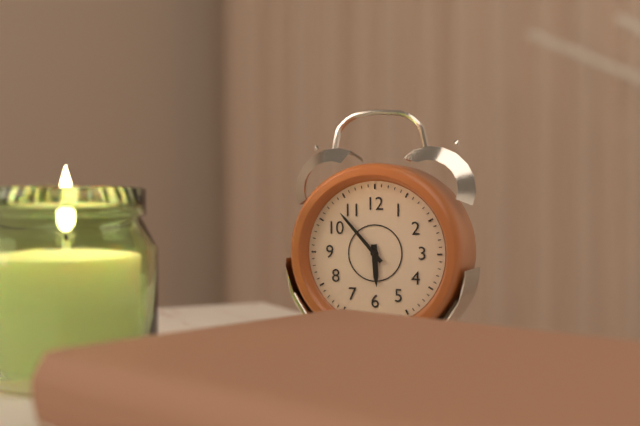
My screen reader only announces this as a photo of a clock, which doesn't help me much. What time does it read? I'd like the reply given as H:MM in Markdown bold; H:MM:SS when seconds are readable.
**5:53**
